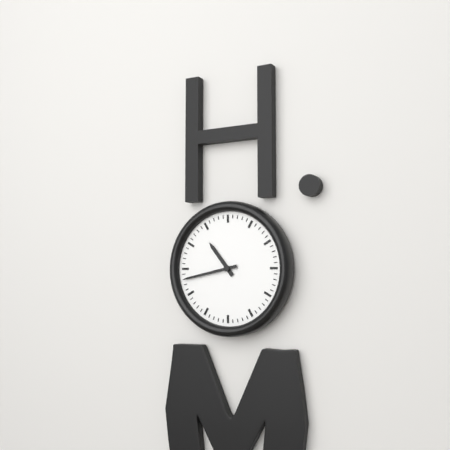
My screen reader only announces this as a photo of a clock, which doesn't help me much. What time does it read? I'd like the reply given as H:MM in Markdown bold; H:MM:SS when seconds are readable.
**10:43**
